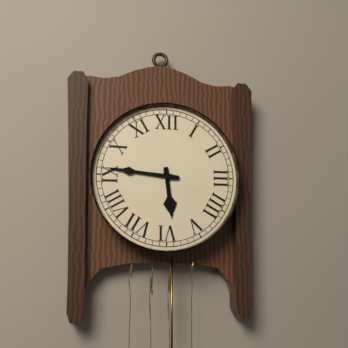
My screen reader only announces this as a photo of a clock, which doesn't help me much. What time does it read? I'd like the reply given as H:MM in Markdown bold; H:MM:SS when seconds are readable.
**5:46**
